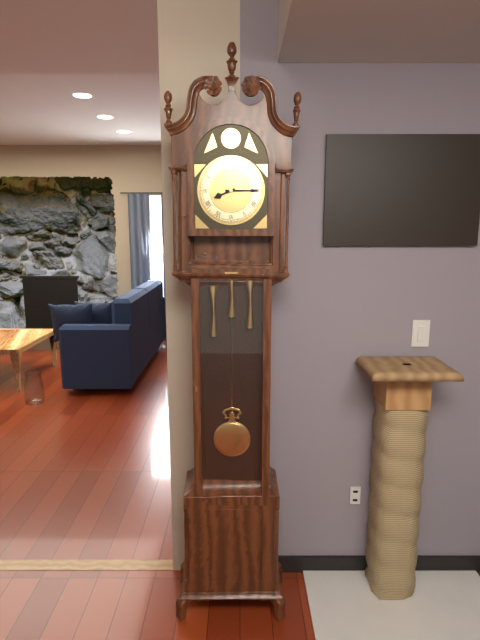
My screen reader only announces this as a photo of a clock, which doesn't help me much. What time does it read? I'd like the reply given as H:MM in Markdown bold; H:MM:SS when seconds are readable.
**8:15**
